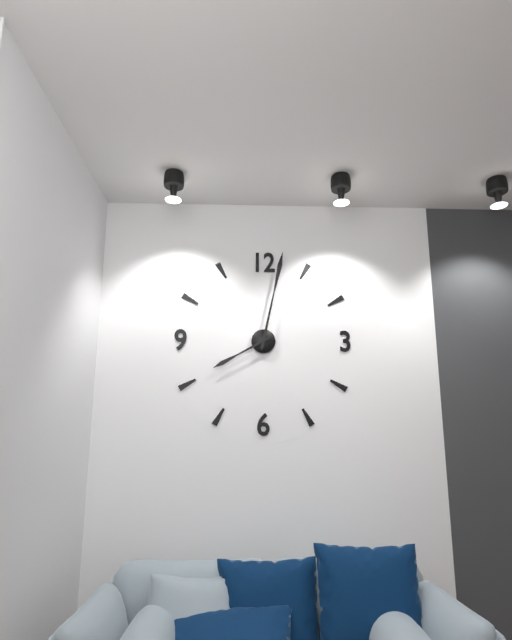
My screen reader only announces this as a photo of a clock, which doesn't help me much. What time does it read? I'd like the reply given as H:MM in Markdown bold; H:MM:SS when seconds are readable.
**8:02**
